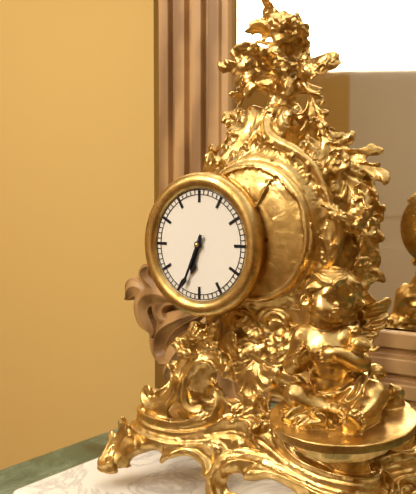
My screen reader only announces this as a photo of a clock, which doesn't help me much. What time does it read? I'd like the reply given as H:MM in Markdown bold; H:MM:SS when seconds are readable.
**6:34**
